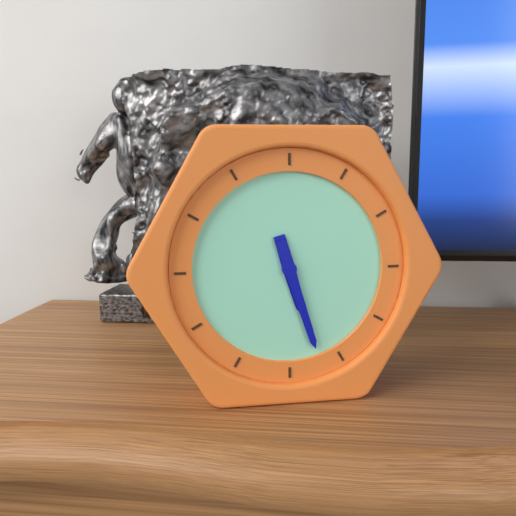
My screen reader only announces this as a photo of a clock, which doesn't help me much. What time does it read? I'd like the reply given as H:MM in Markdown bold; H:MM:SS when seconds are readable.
**5:27**
